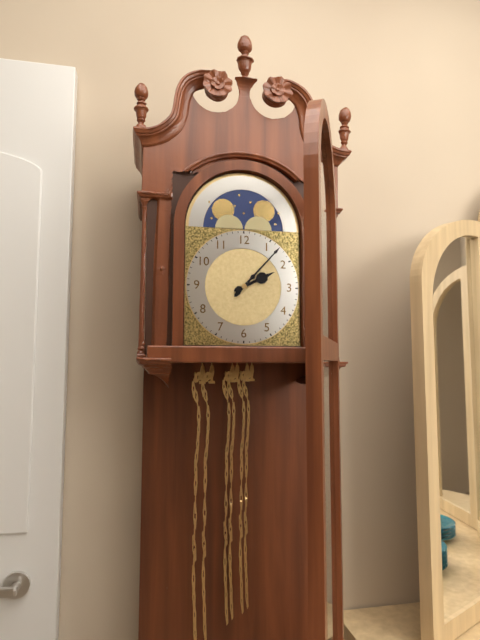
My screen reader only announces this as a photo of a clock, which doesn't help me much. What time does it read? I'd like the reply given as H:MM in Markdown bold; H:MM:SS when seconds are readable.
**2:07**
